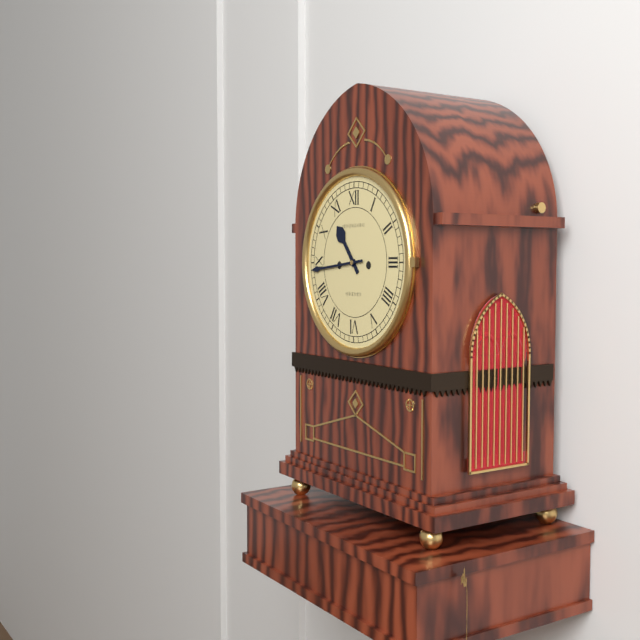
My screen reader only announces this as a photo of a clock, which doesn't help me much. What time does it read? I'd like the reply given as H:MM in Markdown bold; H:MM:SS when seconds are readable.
**10:44**
